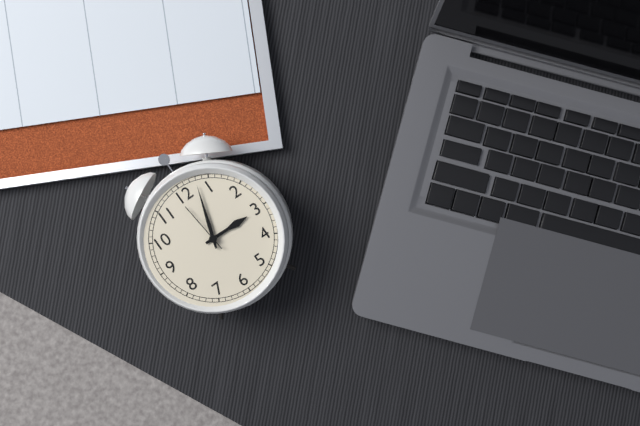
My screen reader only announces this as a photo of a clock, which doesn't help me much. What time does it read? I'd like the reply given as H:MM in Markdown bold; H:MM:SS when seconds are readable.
**3:03:59**
